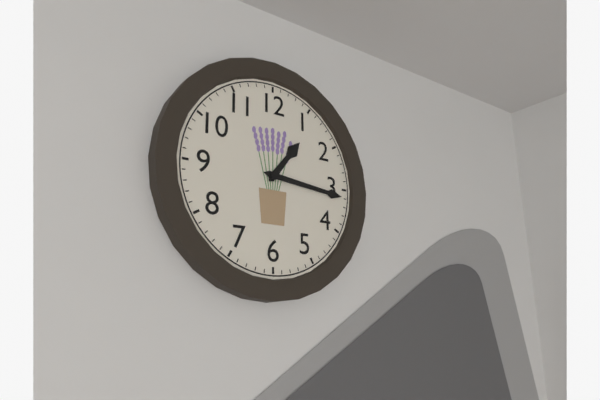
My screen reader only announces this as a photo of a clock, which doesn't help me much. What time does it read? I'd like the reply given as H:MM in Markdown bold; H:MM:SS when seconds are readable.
**1:16**
